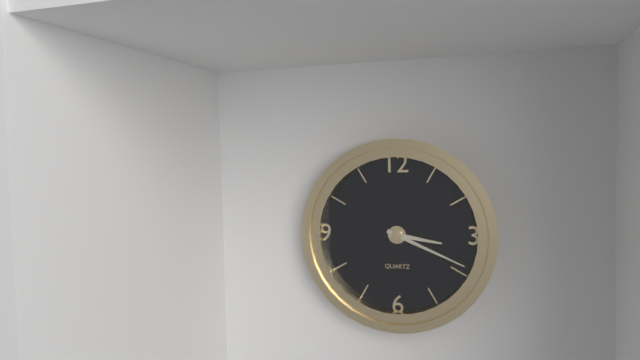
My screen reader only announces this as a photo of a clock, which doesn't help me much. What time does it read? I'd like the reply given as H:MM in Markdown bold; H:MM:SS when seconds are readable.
**3:19**
